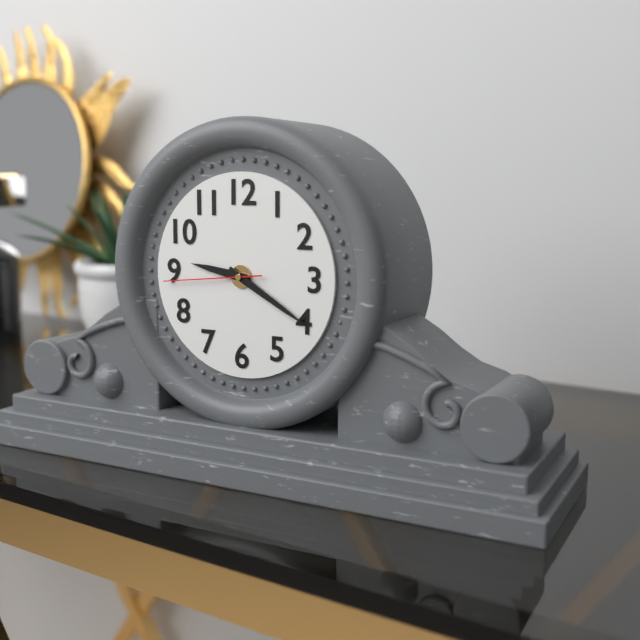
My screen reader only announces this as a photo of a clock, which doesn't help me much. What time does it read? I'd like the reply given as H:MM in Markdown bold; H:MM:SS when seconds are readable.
**9:20:44**
